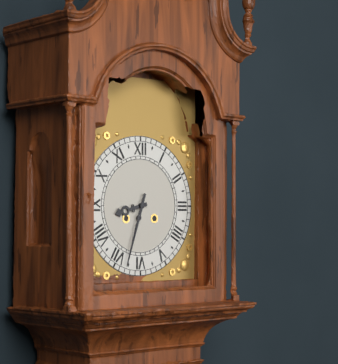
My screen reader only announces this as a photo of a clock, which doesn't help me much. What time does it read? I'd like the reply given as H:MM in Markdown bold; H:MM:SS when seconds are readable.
**8:33**
